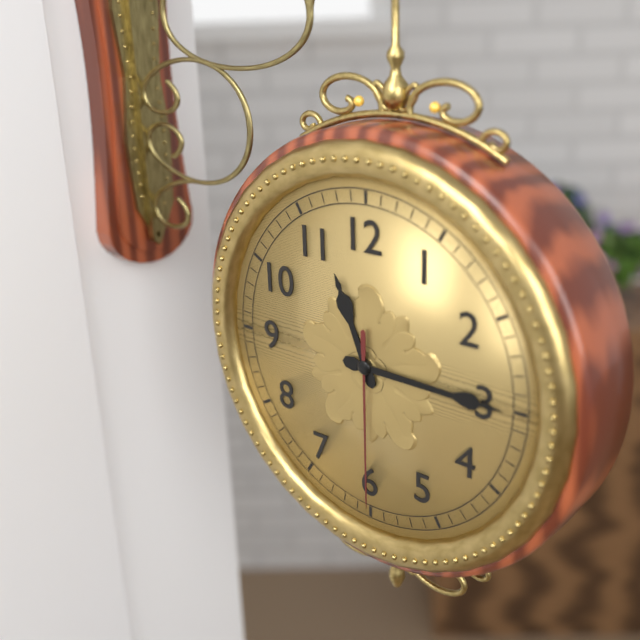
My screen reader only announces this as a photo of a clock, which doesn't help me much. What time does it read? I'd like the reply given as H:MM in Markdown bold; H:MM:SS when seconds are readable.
**11:15:30**
